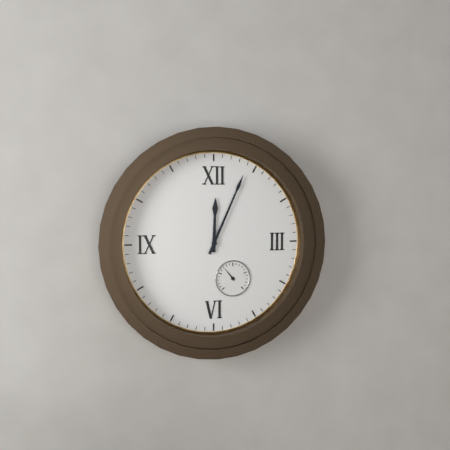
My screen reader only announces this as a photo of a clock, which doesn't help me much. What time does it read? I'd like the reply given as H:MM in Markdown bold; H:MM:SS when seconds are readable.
**12:04**
